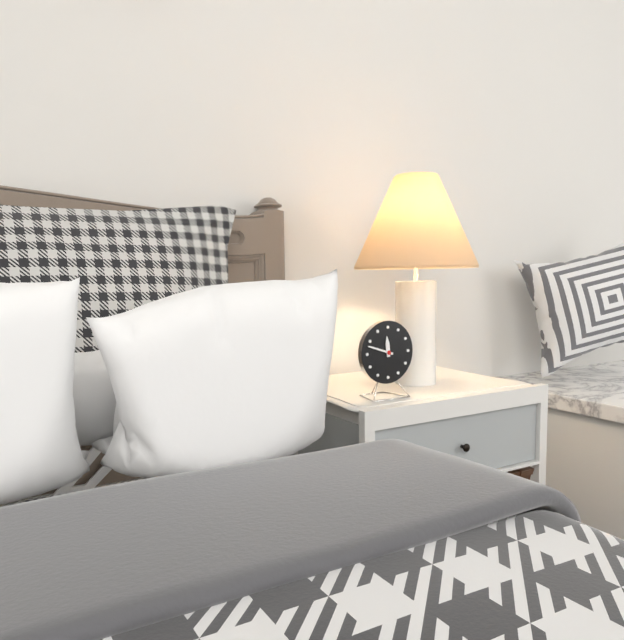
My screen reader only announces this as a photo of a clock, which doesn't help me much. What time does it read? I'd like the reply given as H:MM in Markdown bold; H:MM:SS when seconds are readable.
**11:48**
